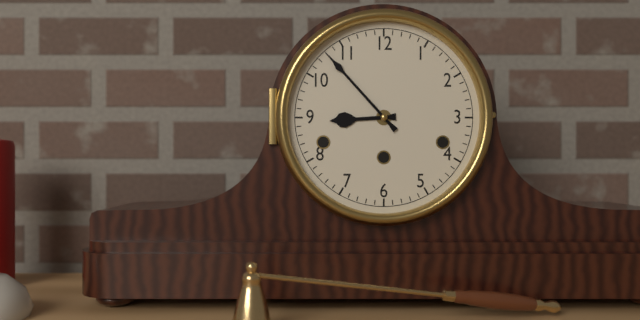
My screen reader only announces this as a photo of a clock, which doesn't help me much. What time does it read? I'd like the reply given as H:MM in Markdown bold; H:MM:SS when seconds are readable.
**8:53**
